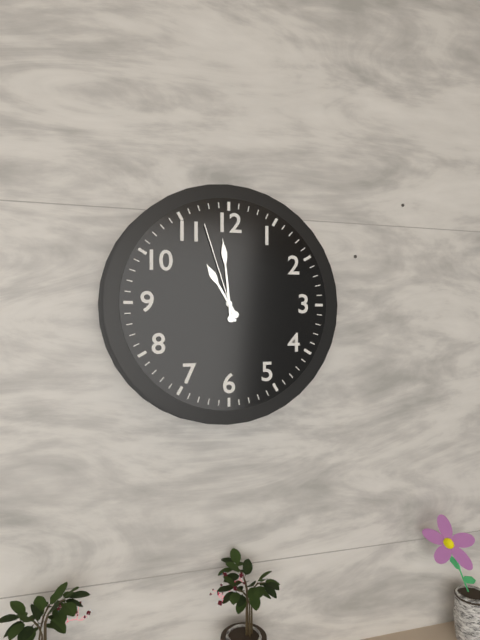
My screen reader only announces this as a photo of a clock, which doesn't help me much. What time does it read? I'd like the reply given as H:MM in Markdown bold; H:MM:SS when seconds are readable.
**10:59:57**
